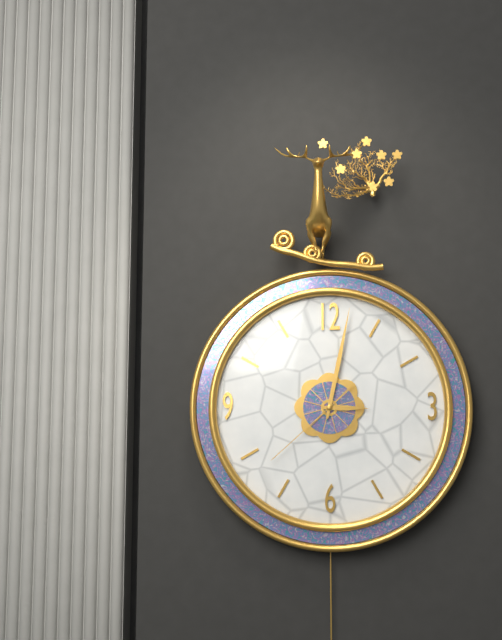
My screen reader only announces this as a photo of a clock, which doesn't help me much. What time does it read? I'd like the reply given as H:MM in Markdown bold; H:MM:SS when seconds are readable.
**3:02:38**
